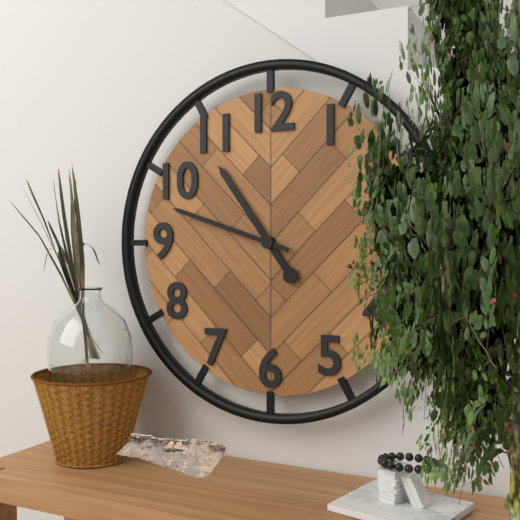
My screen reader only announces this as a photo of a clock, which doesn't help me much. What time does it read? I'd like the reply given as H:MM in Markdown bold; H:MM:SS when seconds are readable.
**10:48**
